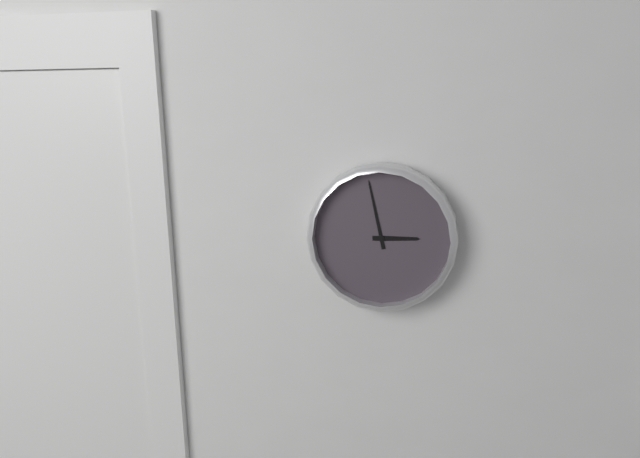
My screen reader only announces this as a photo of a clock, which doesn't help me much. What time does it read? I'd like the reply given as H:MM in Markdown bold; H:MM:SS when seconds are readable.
**2:58**
